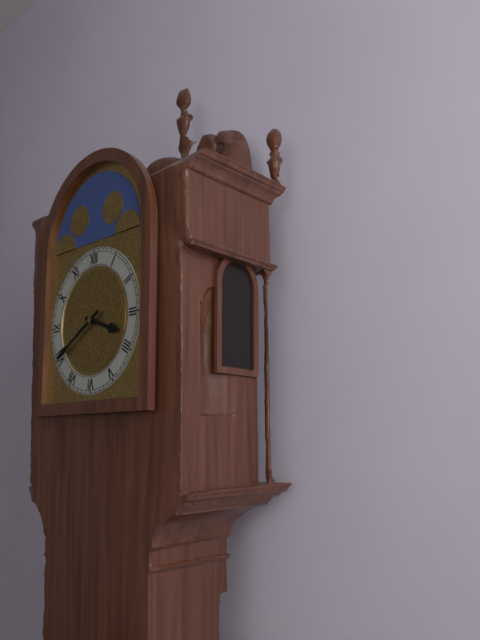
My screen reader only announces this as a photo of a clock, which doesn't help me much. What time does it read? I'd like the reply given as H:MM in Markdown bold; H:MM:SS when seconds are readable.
**3:40**
